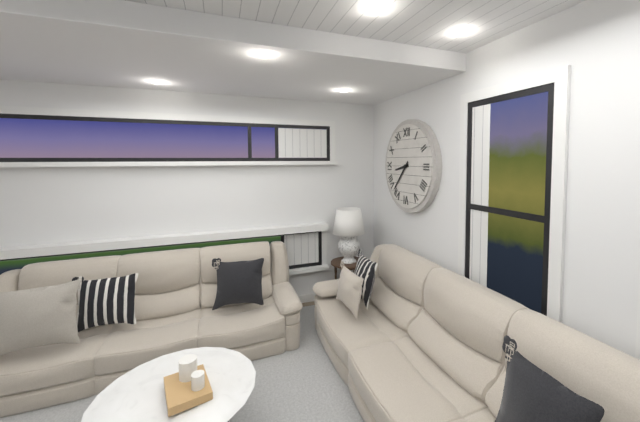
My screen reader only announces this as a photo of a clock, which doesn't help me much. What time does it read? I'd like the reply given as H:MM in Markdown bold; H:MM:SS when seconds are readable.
**8:37**
